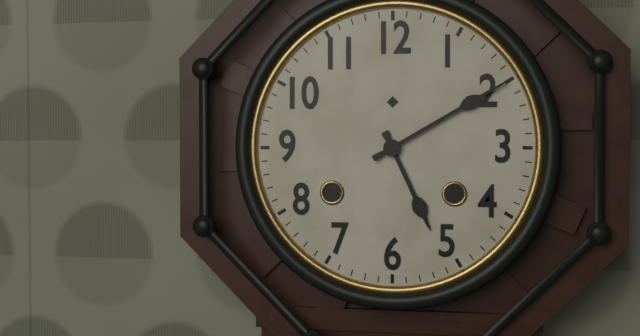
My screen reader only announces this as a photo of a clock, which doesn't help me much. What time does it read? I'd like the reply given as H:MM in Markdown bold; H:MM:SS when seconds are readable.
**5:10**
